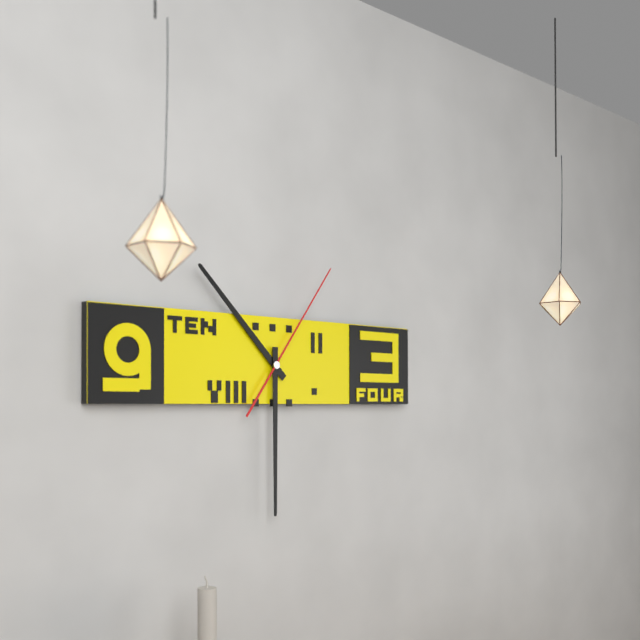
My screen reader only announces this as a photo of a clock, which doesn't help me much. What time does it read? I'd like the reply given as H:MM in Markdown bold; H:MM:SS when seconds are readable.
**10:30:06**
